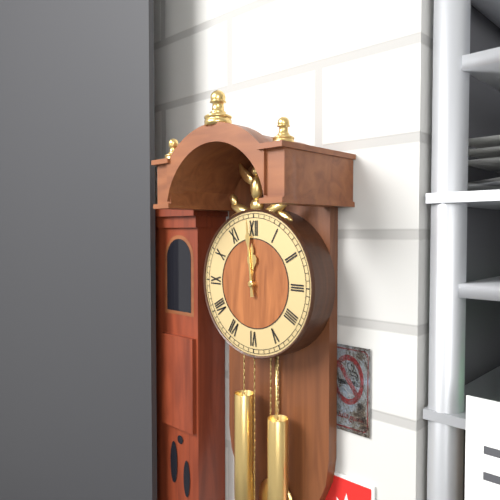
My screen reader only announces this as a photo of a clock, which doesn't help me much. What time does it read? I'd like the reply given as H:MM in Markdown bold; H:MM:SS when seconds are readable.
**11:59**
